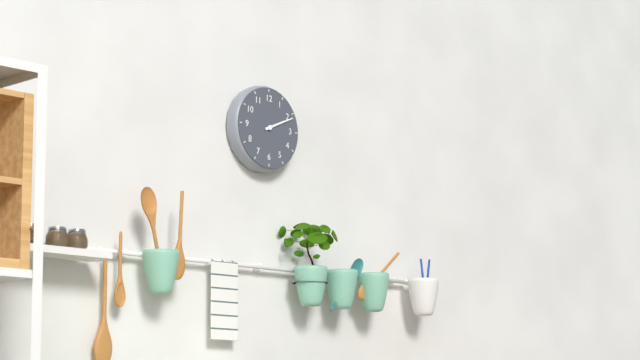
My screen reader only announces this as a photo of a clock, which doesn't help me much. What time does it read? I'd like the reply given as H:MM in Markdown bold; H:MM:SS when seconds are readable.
**2:11**
